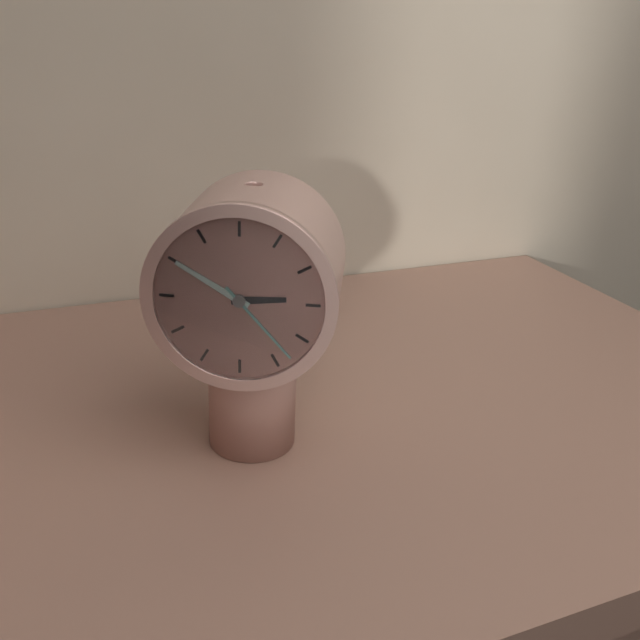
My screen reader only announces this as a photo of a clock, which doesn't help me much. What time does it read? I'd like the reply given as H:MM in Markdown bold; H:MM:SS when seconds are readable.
**2:50:23**
